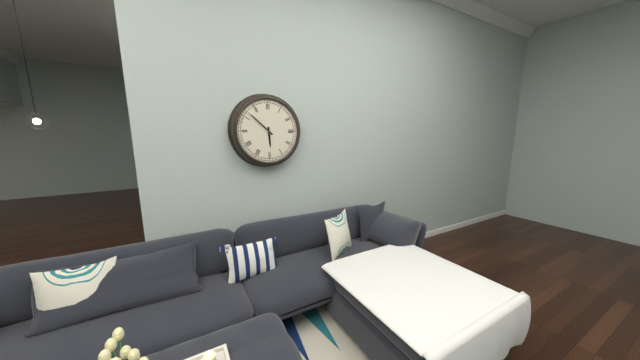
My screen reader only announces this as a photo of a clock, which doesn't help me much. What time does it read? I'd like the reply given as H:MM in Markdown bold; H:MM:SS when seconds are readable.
**5:52**
